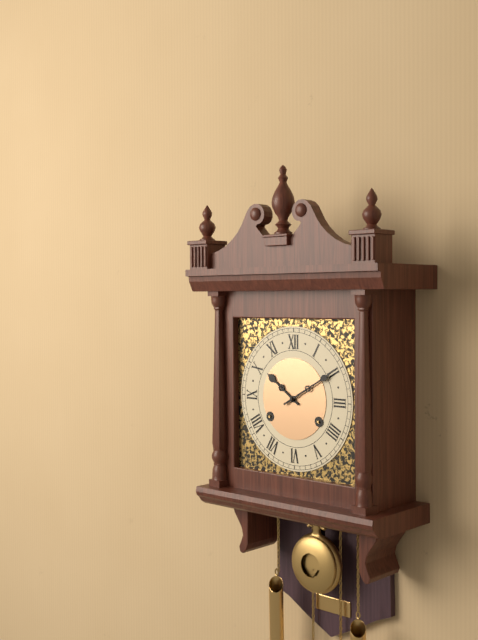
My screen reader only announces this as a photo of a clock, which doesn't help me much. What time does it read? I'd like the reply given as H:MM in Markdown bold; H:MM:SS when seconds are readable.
**10:10**
